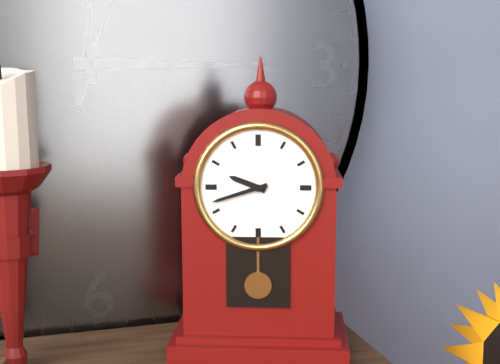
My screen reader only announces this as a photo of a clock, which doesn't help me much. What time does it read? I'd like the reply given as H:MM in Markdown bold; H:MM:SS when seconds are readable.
**9:42**
